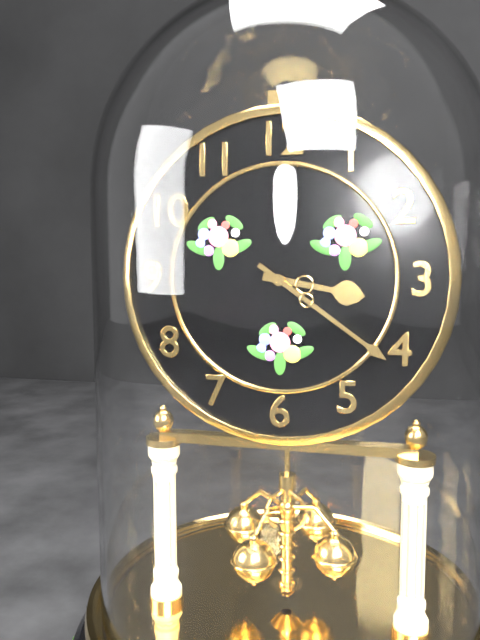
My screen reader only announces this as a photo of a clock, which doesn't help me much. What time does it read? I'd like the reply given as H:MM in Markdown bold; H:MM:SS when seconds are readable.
**3:21**
